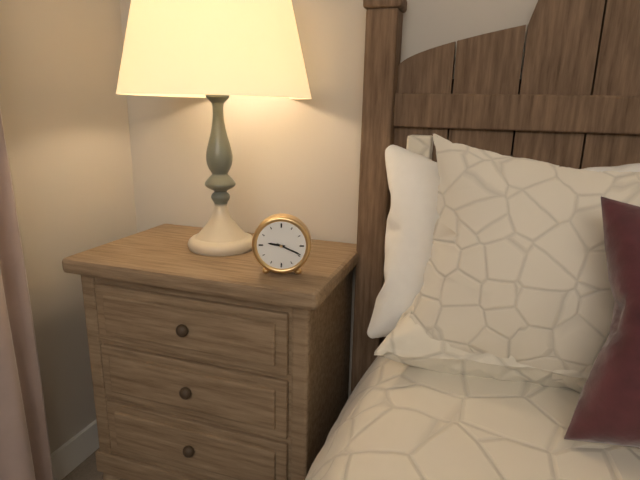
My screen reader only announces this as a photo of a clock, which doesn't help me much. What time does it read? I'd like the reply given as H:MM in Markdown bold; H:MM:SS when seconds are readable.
**9:19**
